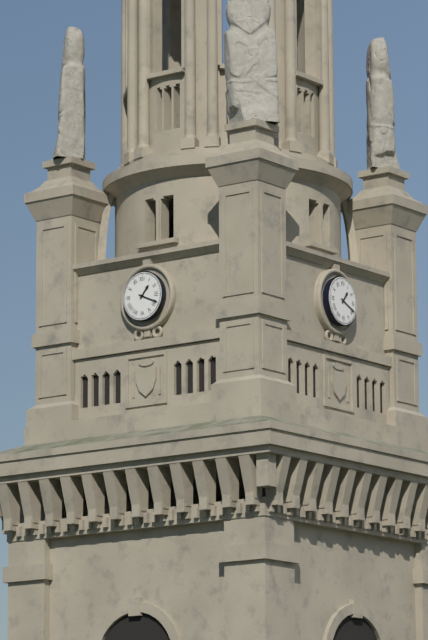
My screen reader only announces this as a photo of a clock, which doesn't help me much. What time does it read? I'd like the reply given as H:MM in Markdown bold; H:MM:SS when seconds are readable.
**1:19**
